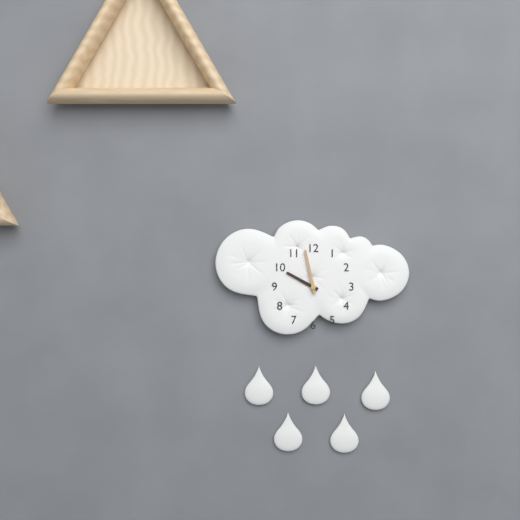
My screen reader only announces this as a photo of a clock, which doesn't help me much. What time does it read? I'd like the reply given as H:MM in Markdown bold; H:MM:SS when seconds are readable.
**9:58**
